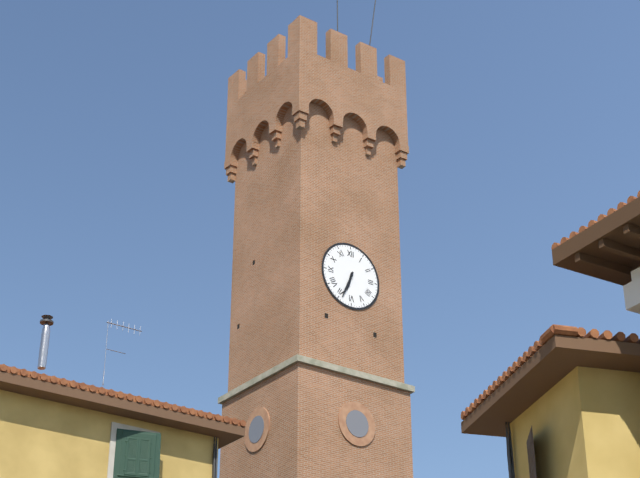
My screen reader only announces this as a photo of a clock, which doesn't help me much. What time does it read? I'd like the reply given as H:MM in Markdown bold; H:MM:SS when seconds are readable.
**6:34**
